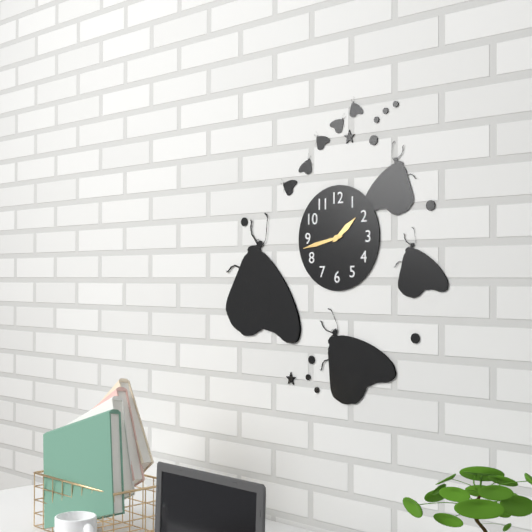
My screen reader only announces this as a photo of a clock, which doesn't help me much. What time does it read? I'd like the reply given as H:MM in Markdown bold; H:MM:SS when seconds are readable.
**1:43**
